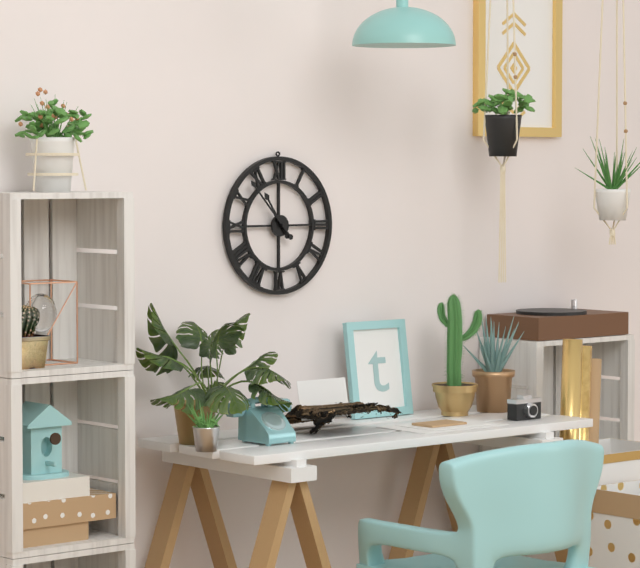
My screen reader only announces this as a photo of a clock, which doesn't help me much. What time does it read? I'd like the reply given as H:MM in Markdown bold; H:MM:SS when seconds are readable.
**10:53**
